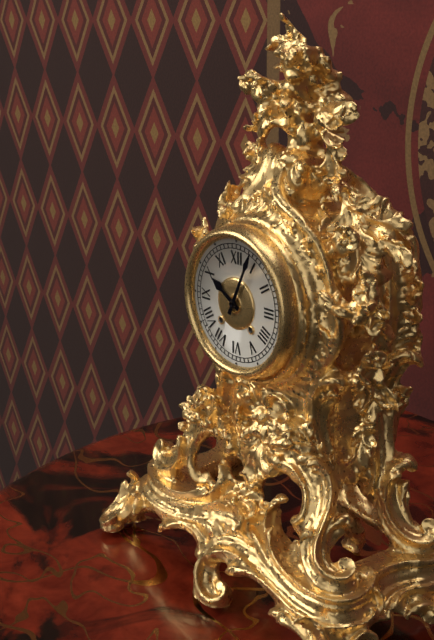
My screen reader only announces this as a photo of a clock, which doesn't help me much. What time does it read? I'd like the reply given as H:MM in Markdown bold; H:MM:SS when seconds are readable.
**10:04**
